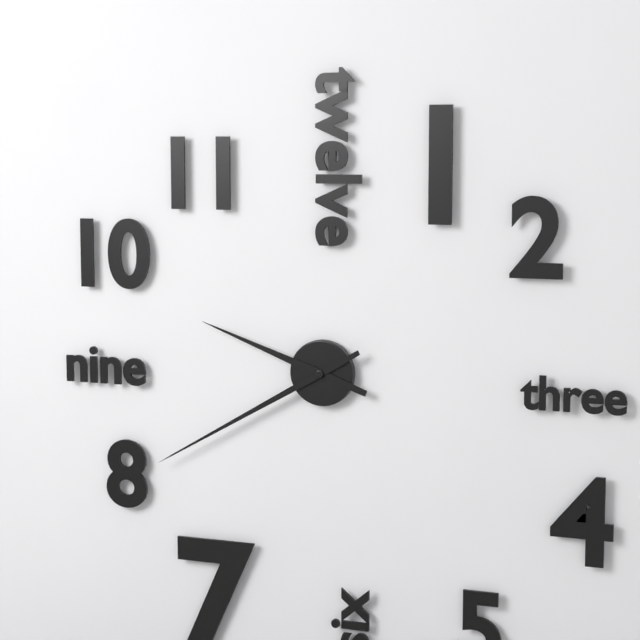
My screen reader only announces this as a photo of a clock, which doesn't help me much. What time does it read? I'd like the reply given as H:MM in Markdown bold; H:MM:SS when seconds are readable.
**9:40**
